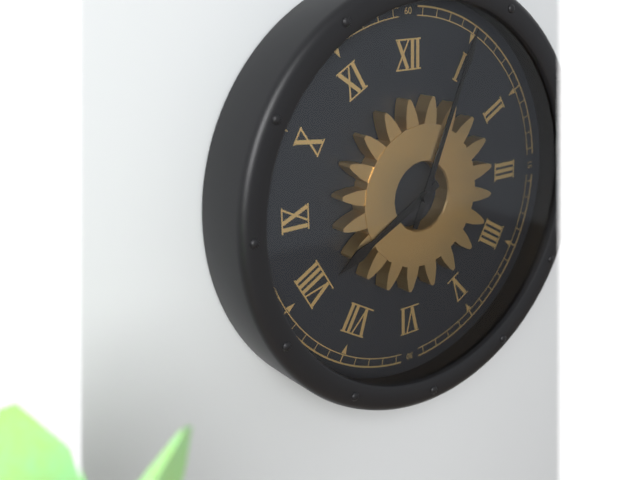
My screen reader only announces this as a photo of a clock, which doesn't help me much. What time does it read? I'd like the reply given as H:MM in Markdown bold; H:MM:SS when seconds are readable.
**8:04**
